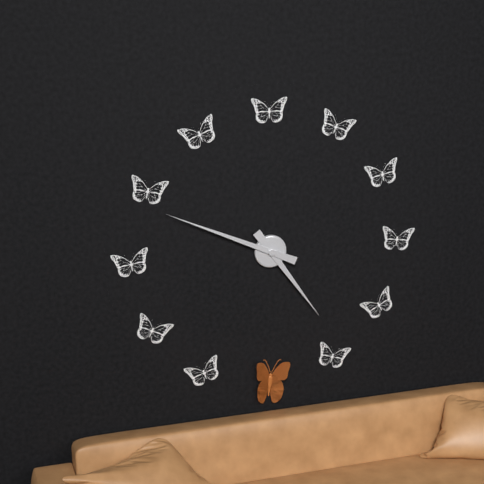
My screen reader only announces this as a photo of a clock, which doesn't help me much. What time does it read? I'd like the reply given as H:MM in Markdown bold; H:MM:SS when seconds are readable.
**4:49**
